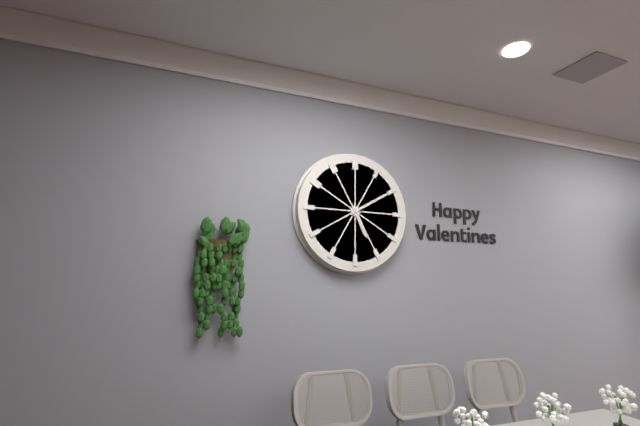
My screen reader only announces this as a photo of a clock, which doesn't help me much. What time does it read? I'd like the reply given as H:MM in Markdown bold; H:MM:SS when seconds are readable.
**5:10**
